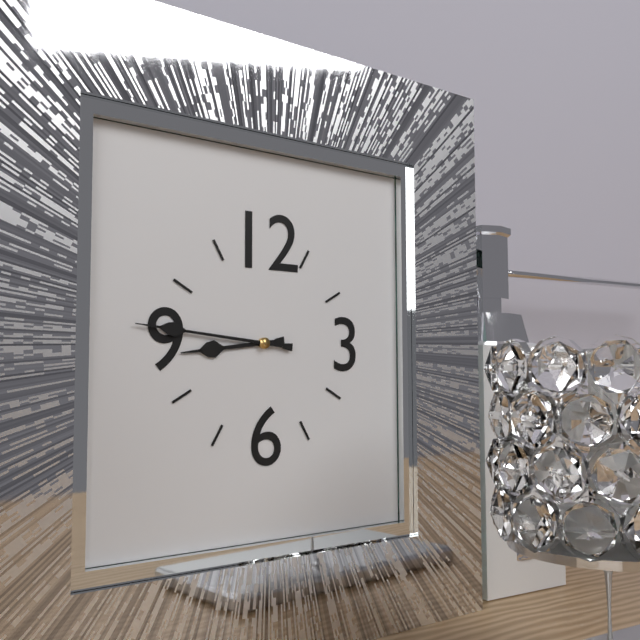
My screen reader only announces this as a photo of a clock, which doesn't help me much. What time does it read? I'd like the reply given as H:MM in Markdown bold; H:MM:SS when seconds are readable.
**8:46**
